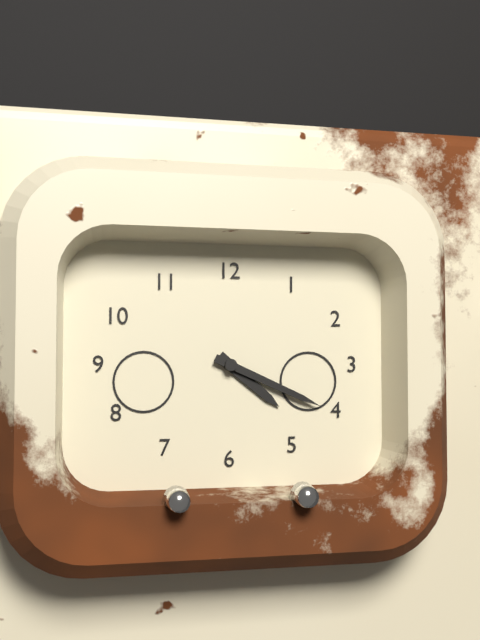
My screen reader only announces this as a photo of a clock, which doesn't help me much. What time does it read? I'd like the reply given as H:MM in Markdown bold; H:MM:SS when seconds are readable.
**4:19**
